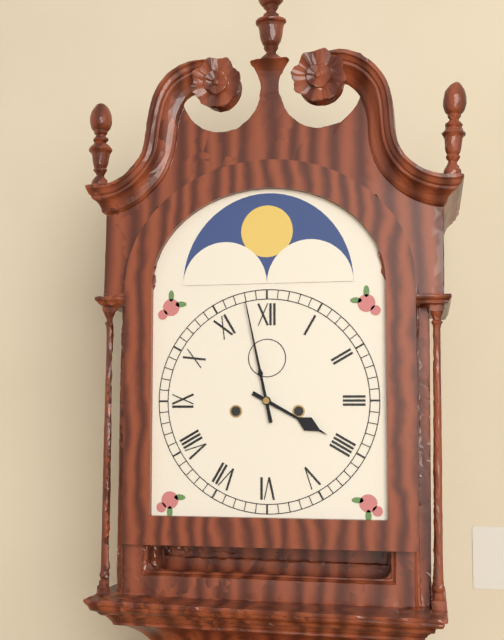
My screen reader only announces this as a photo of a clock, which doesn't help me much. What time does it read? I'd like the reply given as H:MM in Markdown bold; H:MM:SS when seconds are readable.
**3:58**
